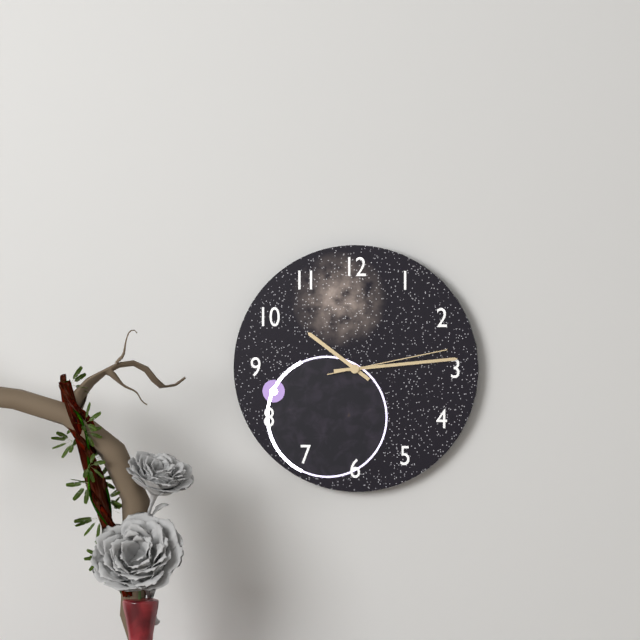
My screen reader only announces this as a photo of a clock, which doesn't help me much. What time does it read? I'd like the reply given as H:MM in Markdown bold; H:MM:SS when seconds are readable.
**10:14:13**
